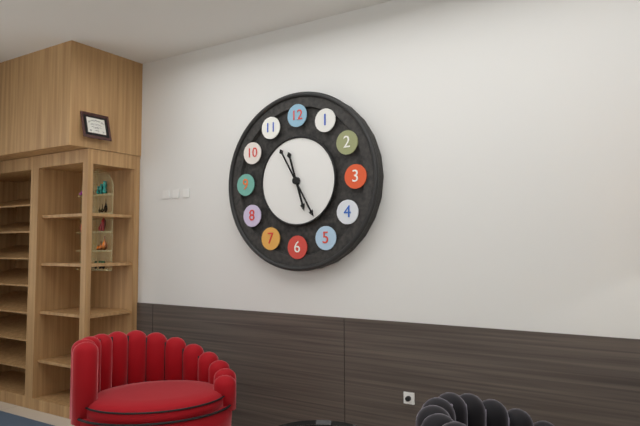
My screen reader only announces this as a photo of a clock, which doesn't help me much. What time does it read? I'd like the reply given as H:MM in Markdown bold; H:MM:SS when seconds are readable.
**5:25**
